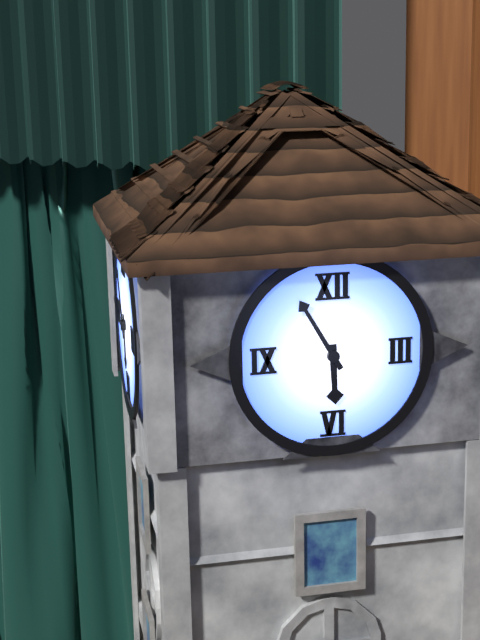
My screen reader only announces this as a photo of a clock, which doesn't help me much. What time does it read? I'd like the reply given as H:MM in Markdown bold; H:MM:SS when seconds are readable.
**5:55**
